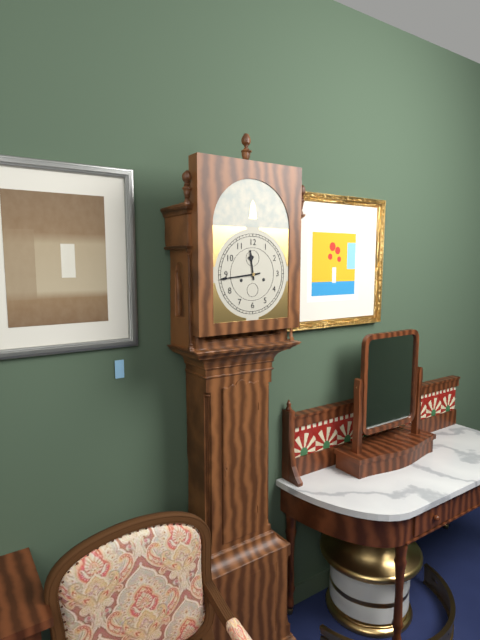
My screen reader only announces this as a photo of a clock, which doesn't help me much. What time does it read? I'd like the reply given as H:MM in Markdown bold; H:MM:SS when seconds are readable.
**11:44**
